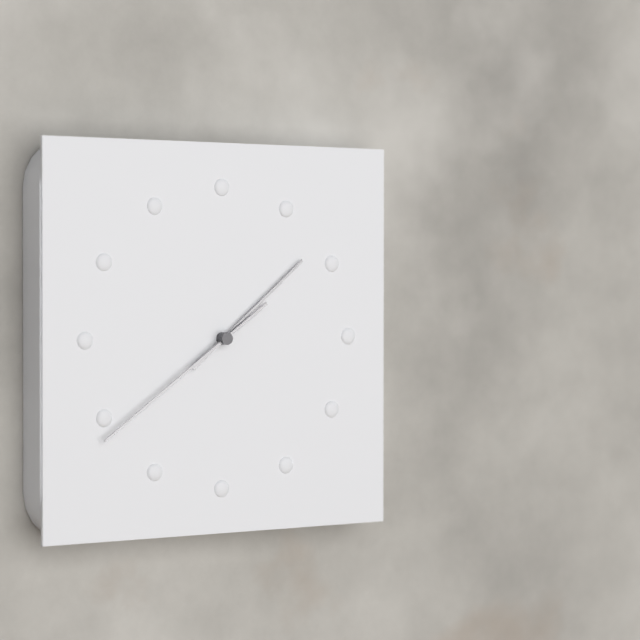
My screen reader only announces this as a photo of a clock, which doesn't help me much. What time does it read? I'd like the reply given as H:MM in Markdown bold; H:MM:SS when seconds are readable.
**1:39**
